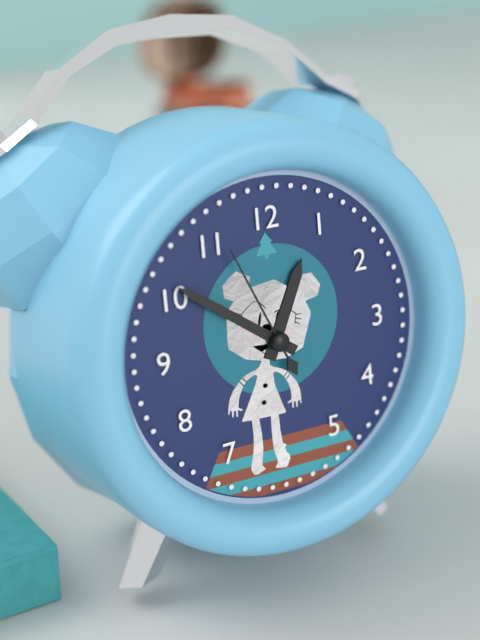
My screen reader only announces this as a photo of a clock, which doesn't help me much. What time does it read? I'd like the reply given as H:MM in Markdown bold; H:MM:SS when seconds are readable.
**12:51:56**
